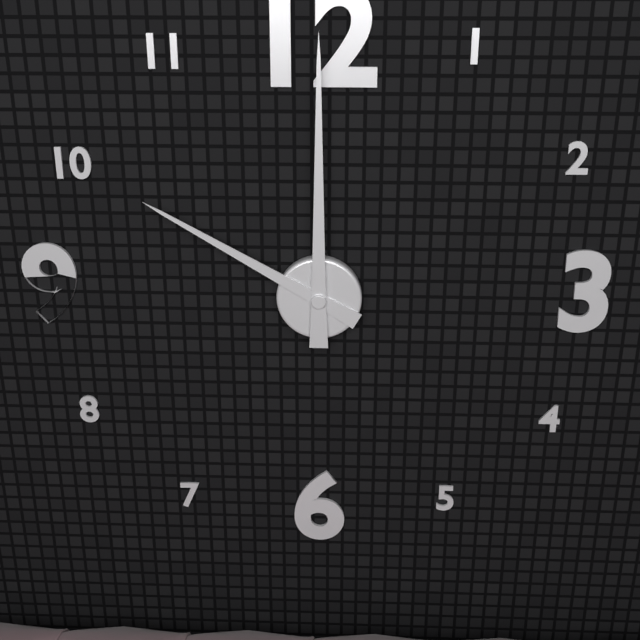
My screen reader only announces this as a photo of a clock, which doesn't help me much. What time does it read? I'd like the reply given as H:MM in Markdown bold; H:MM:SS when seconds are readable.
**10:00**
